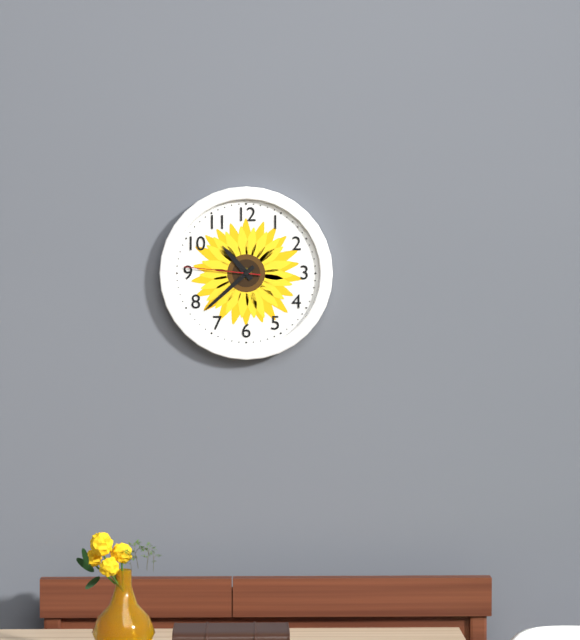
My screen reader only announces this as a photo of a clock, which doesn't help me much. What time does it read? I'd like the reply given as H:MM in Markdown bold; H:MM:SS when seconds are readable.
**10:38:46**
